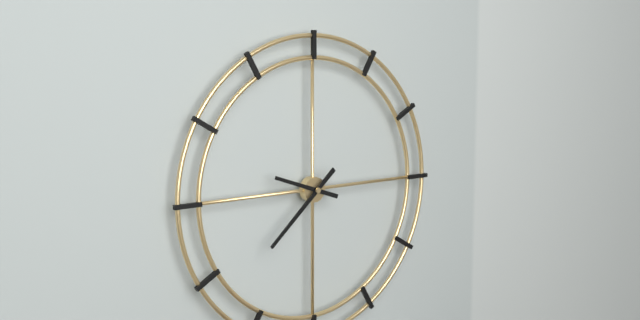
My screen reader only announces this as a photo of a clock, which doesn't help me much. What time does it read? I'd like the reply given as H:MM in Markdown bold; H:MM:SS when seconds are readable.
**9:38**
